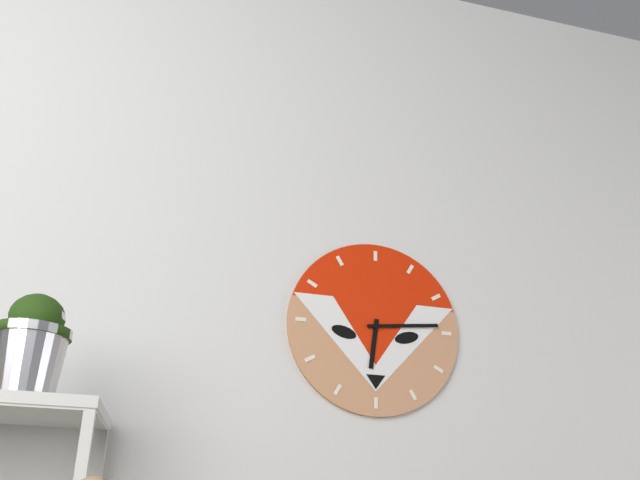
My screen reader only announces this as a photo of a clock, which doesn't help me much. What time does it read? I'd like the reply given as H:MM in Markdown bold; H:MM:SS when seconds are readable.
**6:14**
